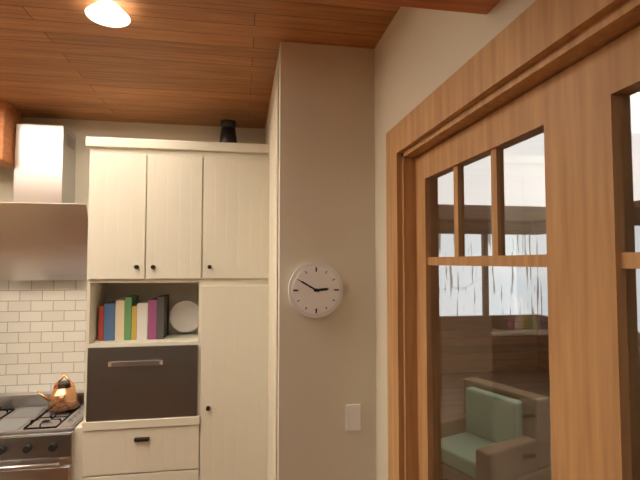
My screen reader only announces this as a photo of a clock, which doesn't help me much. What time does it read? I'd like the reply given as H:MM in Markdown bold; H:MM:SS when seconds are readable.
**2:50**
